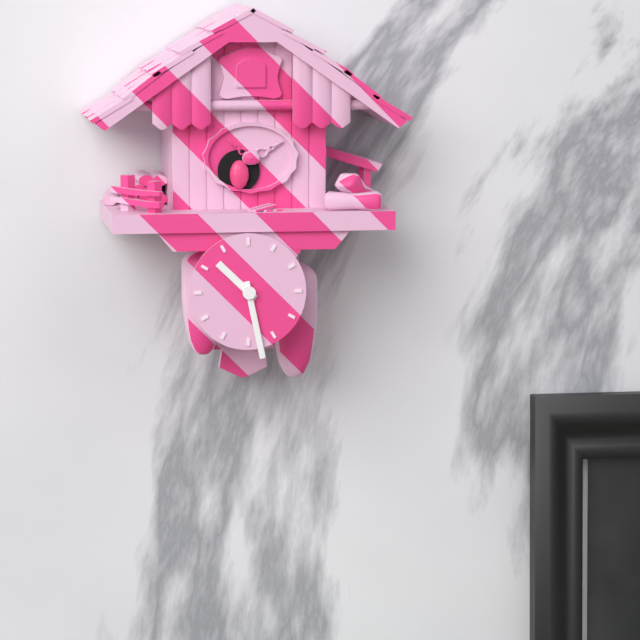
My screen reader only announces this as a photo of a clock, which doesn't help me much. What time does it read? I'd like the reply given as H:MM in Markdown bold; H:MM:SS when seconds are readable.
**10:28**
